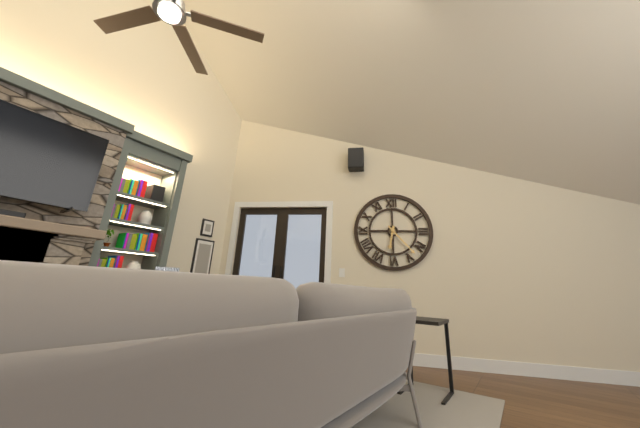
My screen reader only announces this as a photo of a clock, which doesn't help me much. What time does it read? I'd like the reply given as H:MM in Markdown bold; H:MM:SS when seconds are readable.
**6:23**
